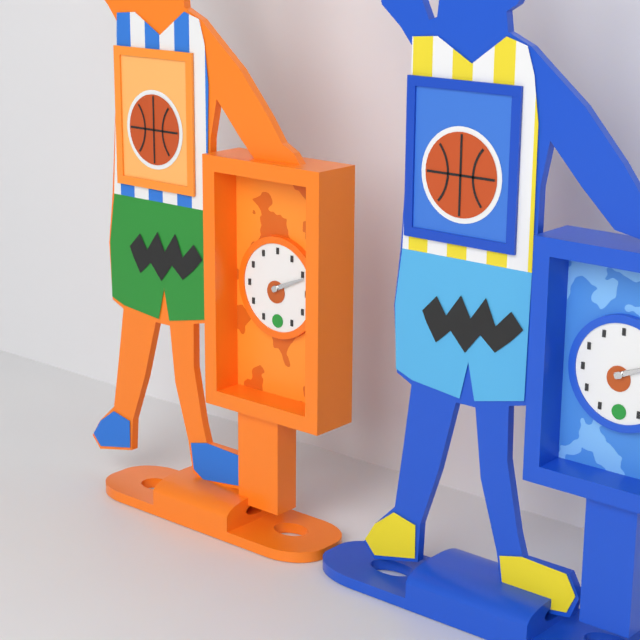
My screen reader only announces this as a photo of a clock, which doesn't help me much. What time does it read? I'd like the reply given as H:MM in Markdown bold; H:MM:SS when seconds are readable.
**2:11**
